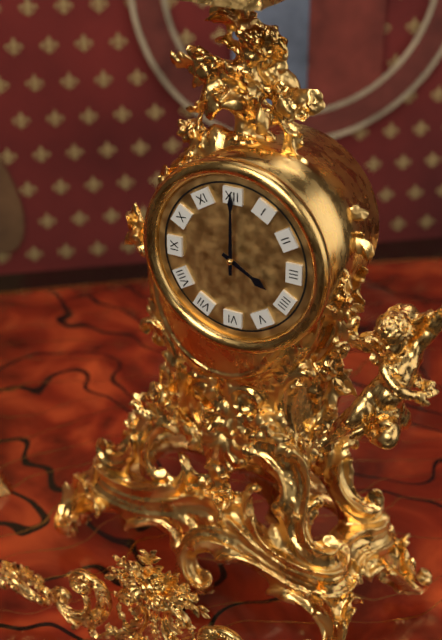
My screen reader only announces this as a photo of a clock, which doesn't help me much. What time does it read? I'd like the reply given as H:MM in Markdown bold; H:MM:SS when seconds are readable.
**4:00**
